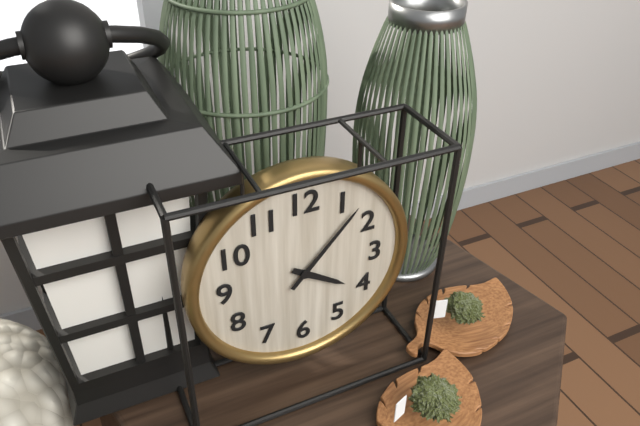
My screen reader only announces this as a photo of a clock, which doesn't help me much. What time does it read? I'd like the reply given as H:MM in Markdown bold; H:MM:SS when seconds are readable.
**4:07**
